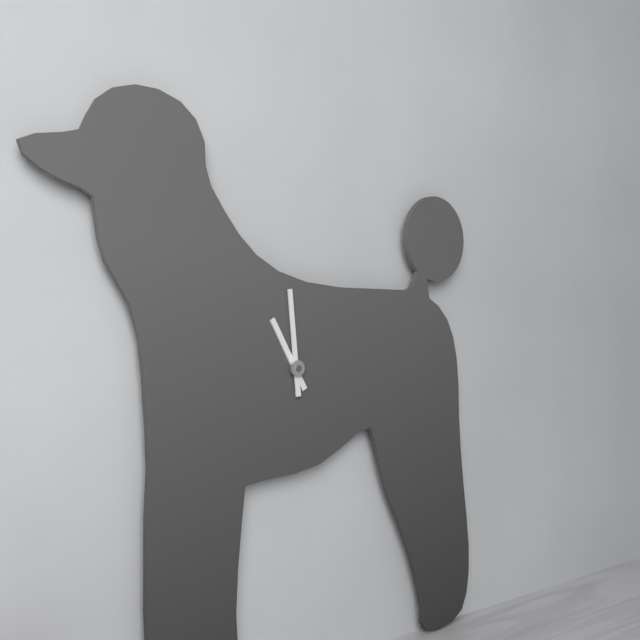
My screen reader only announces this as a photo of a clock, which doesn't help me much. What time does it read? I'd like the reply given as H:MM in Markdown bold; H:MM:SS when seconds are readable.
**10:59**
